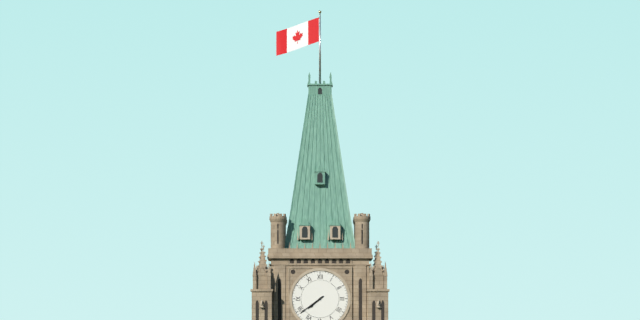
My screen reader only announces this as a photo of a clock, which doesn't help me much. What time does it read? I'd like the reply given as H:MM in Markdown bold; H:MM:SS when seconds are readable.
**7:39**
